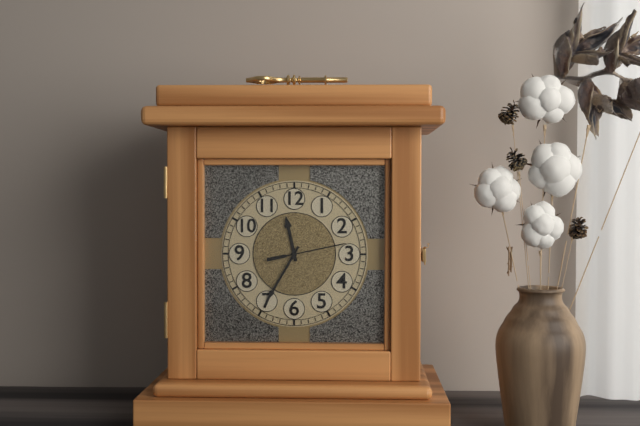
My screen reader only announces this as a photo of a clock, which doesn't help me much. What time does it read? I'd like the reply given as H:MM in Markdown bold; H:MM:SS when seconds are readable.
**11:35:13**
